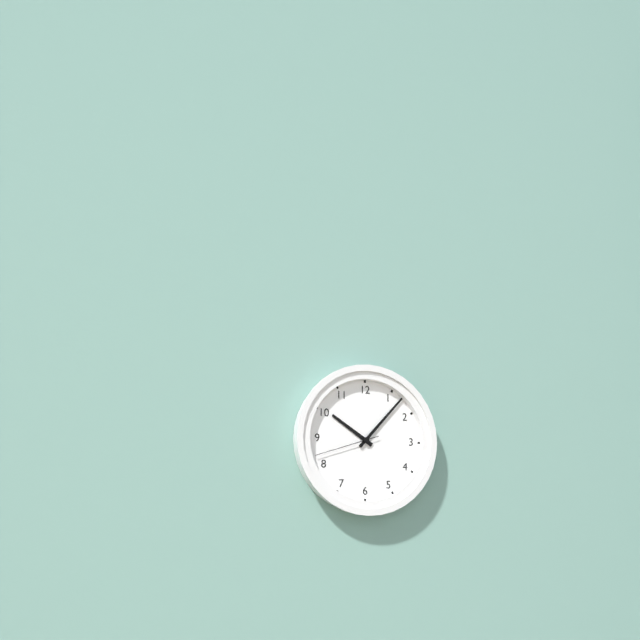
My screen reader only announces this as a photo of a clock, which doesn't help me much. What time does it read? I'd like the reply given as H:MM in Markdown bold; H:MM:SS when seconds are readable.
**10:07:42**
